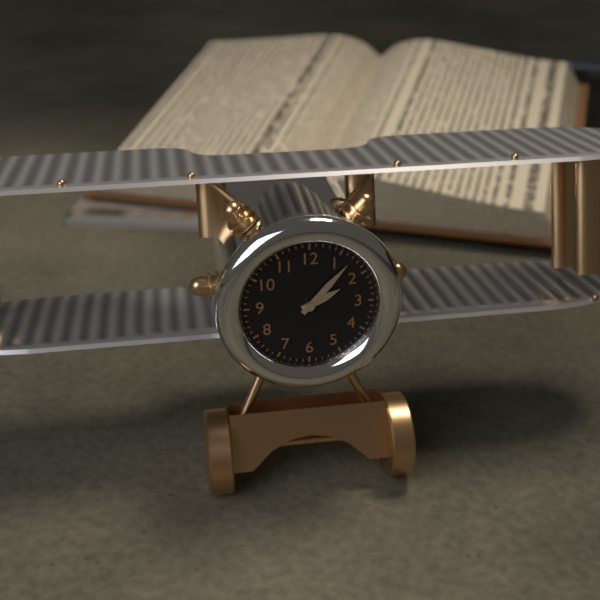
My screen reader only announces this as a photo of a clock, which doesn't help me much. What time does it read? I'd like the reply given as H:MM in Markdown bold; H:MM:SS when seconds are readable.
**2:07**
